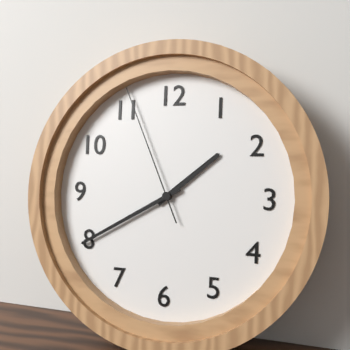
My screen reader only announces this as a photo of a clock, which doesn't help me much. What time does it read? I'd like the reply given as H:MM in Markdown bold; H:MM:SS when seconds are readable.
**1:40:56**
